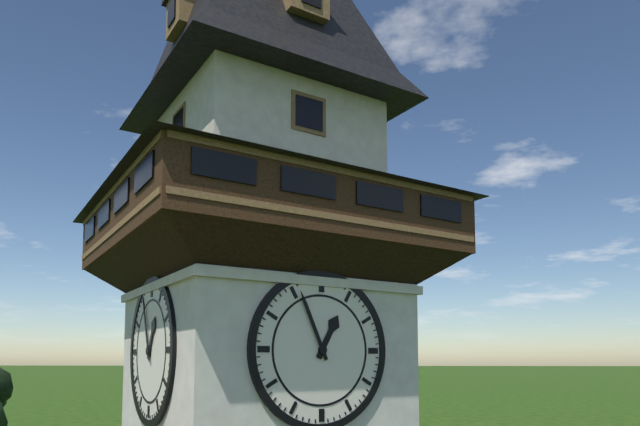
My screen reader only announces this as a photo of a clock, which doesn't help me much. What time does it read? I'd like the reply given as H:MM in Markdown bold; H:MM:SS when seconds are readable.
**12:56**
